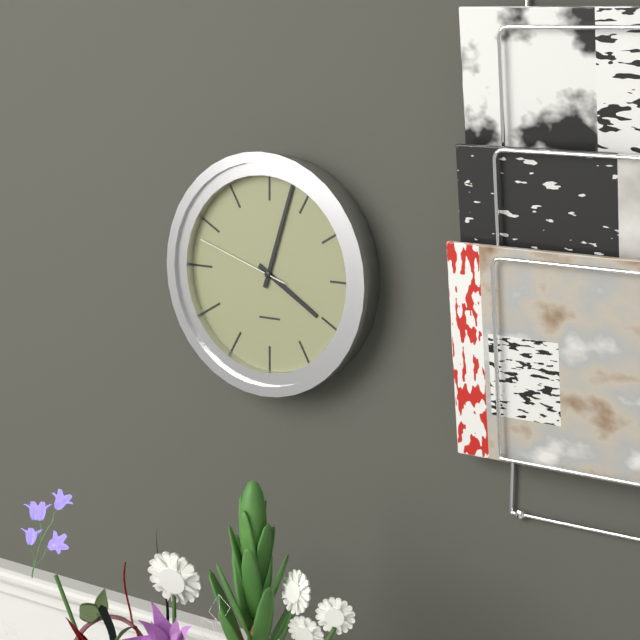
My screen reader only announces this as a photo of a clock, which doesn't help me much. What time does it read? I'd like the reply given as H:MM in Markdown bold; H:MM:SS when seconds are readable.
**4:03:48**
